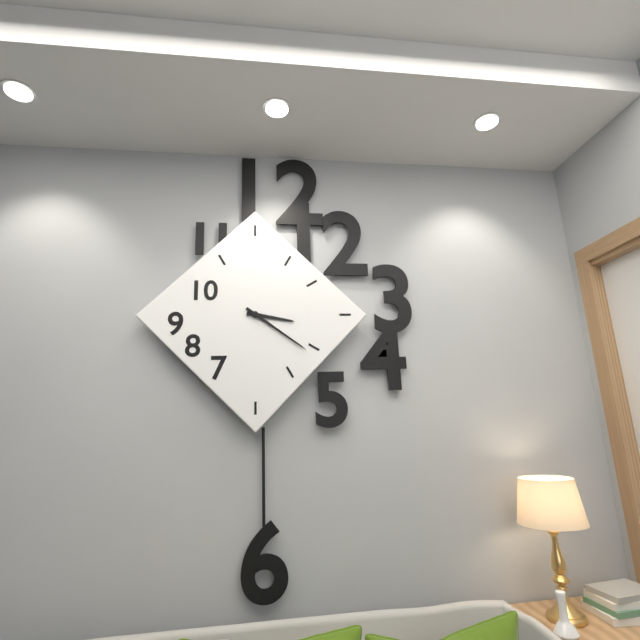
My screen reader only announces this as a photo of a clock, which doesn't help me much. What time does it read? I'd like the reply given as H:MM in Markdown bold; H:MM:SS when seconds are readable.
**3:21**
